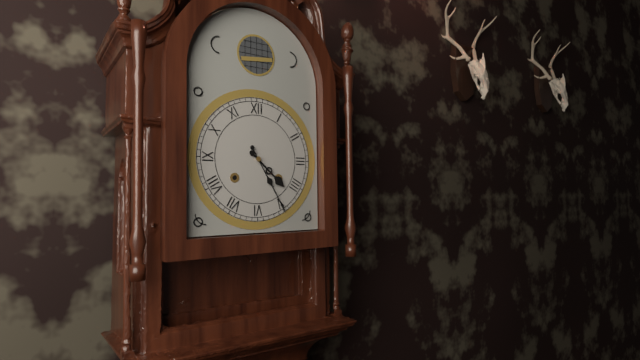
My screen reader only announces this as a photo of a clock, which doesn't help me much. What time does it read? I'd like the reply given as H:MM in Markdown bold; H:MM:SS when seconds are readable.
**4:25**
